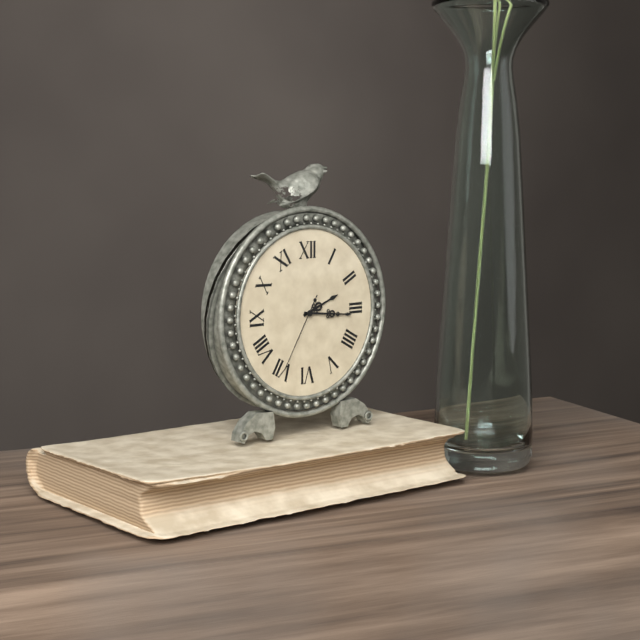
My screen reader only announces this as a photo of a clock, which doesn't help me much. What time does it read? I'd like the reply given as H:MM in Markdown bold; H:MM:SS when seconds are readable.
**2:16:35**
